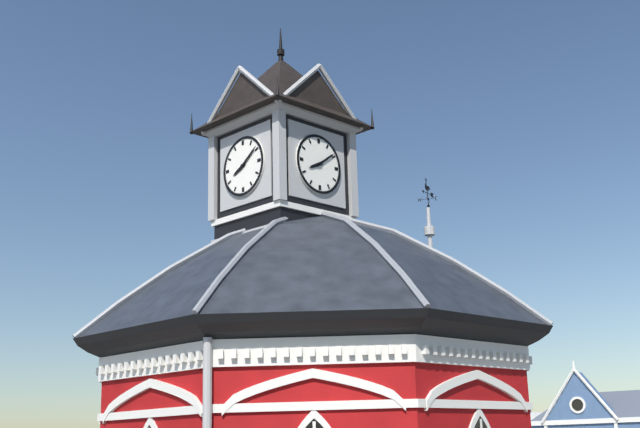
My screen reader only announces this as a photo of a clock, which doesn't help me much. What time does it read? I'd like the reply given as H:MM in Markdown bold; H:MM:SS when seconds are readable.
**8:09**
